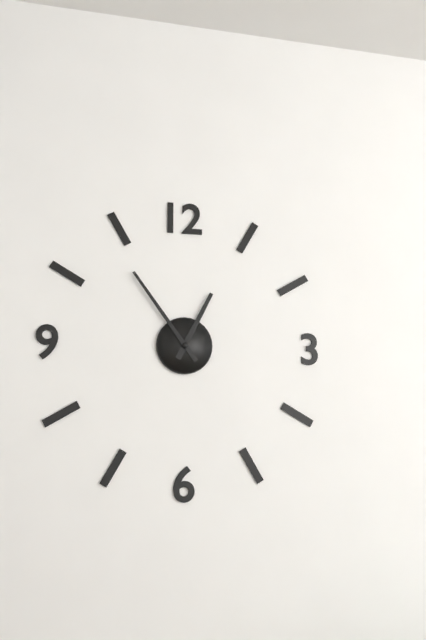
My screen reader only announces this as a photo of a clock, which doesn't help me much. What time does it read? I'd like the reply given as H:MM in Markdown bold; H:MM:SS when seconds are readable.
**12:54**
